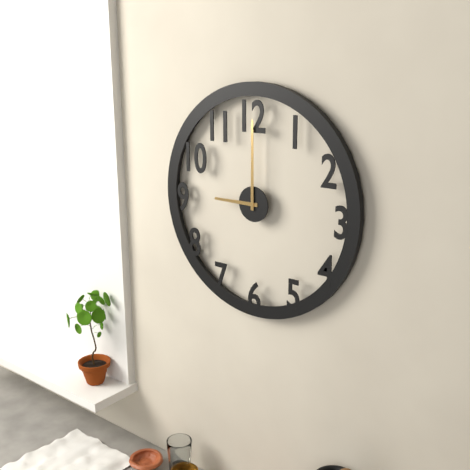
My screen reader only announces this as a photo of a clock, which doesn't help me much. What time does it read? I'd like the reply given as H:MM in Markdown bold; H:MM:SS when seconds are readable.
**9:00**
